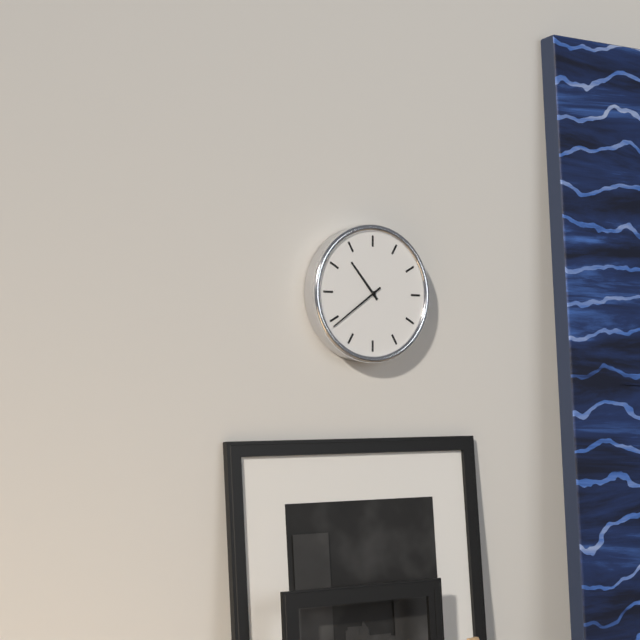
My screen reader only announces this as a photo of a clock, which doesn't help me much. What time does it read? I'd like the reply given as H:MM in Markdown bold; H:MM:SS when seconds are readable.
**10:39**
